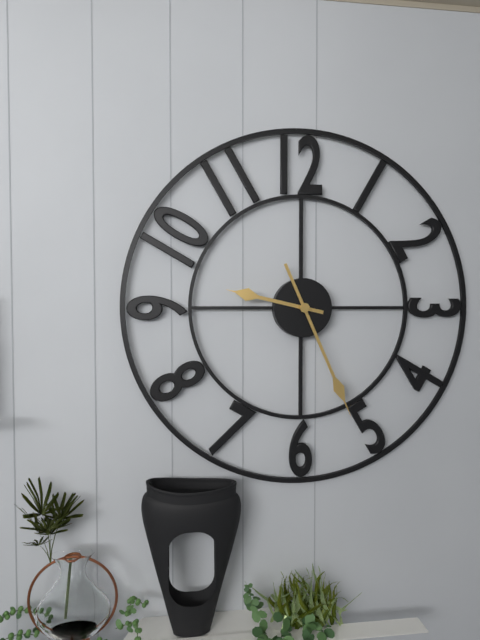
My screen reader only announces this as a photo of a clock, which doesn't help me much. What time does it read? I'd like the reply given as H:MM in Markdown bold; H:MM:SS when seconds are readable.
**9:26**
